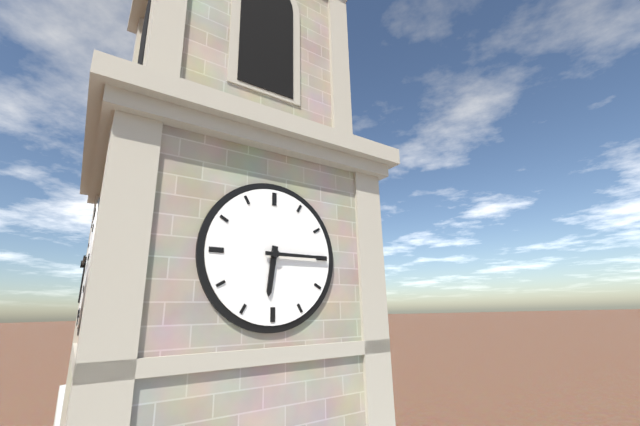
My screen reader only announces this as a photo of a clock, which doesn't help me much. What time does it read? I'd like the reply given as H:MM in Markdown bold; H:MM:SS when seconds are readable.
**6:15**
